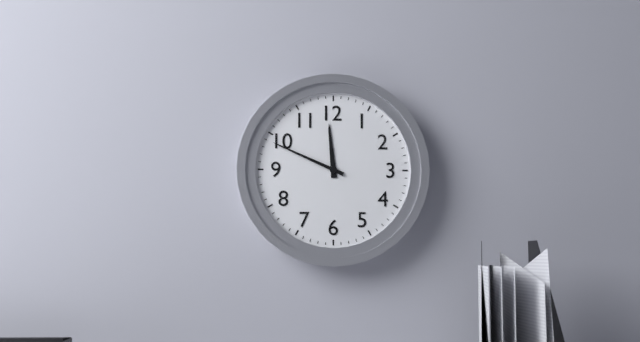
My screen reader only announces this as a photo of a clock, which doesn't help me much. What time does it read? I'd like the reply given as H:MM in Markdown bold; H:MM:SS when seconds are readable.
**11:49**
